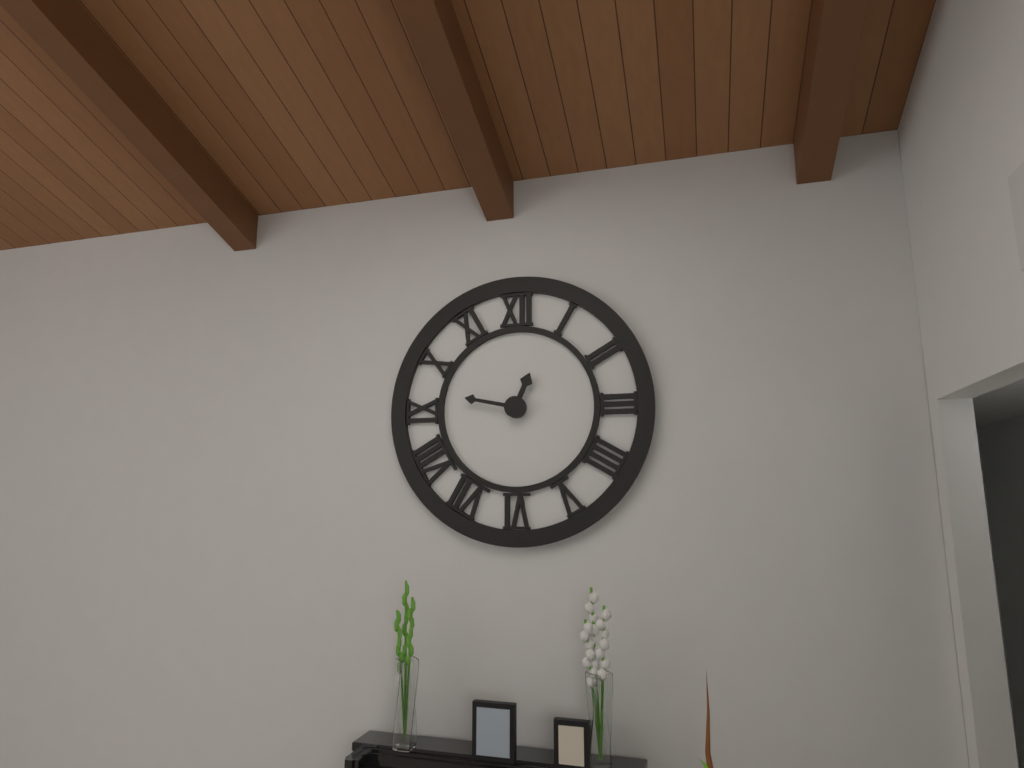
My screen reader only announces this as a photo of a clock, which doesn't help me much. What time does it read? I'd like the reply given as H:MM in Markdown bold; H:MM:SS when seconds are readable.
**12:47**
